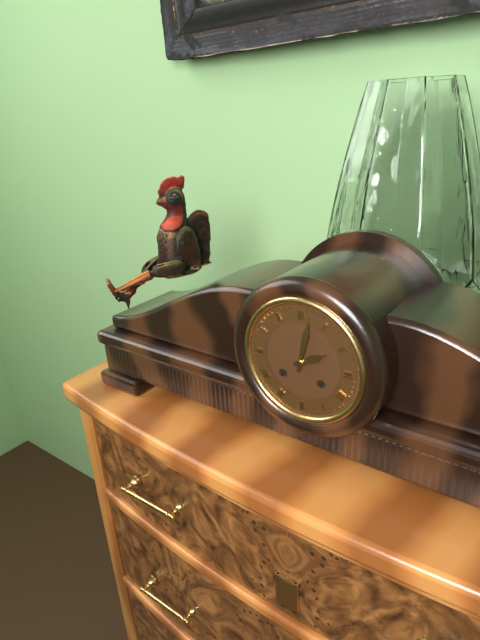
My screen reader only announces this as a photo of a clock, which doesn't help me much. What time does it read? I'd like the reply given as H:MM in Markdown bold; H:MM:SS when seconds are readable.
**2:02**
